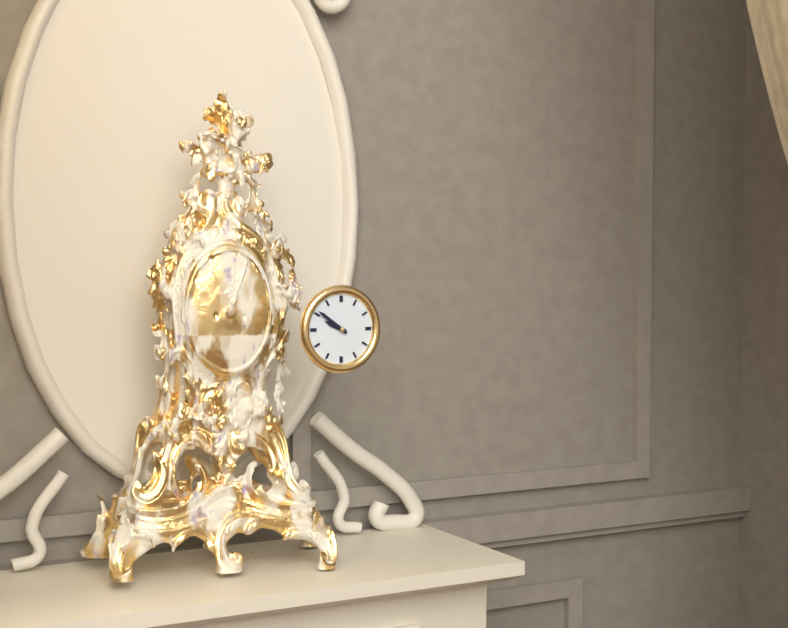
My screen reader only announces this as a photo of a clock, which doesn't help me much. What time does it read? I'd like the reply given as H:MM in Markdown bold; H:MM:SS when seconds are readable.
**9:51**
